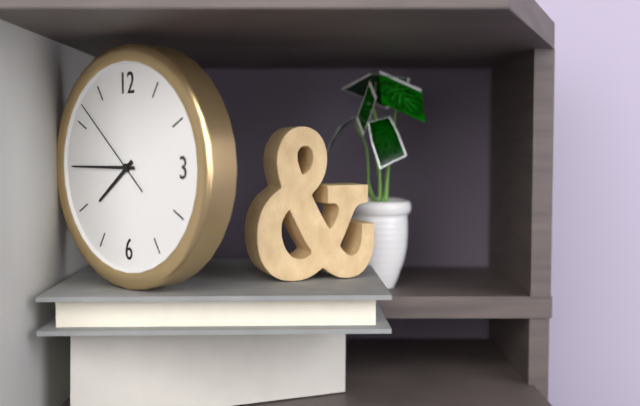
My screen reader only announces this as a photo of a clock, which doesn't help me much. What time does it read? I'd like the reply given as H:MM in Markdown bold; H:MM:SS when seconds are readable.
**7:45:52**
